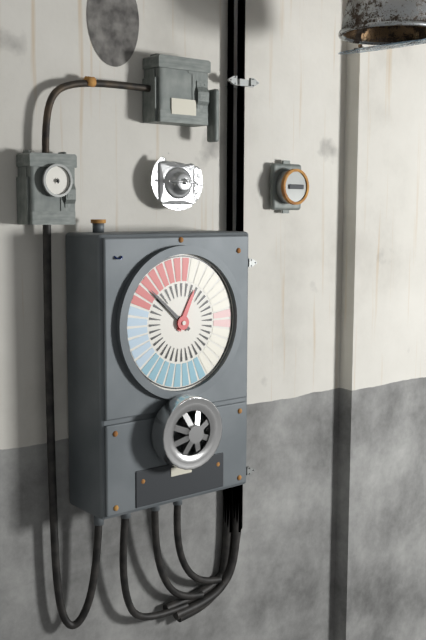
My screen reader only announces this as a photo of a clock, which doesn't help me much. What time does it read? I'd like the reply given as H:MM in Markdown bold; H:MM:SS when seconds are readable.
**12:52**
